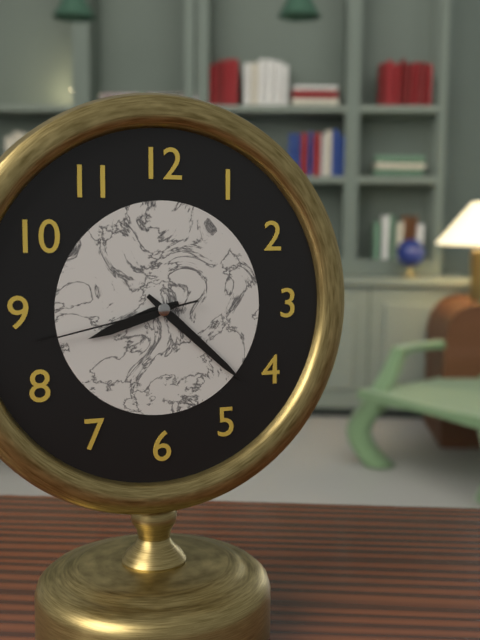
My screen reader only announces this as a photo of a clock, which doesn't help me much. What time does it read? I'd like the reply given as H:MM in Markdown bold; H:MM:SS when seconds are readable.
**8:22:43**
